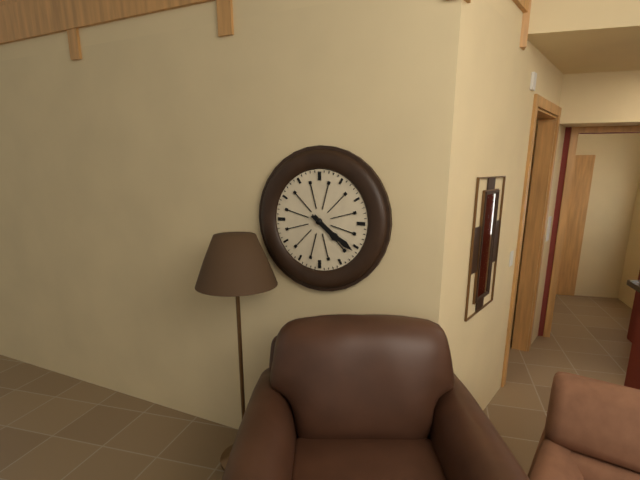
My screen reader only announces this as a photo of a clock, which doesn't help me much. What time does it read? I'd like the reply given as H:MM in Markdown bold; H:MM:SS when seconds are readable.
**4:21**
